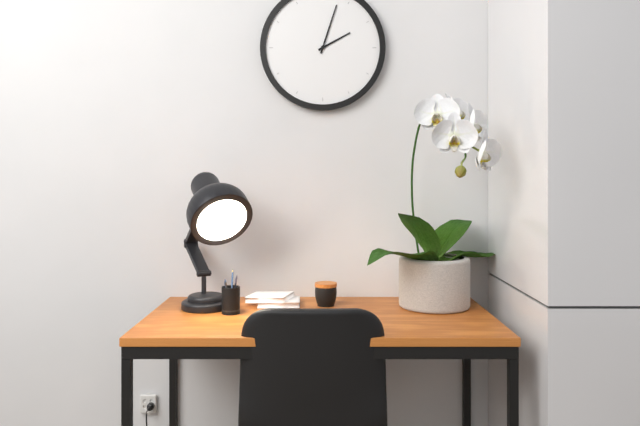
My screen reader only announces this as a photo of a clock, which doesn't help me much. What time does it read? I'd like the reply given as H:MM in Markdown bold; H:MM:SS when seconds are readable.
**2:03**
